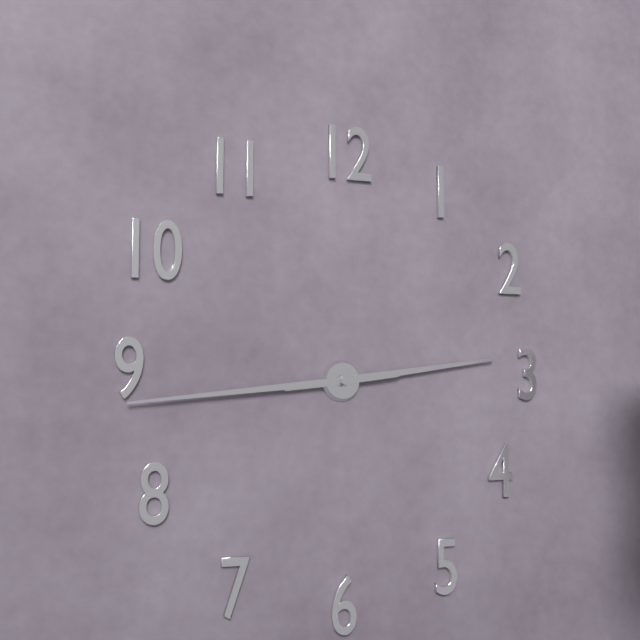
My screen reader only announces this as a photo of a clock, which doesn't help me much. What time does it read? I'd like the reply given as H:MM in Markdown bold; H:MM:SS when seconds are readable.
**2:44**
